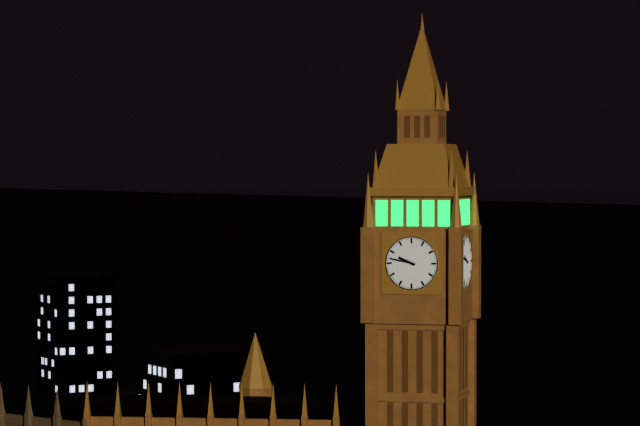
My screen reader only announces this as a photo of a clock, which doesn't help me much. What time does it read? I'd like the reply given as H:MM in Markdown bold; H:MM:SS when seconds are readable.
**9:47**
